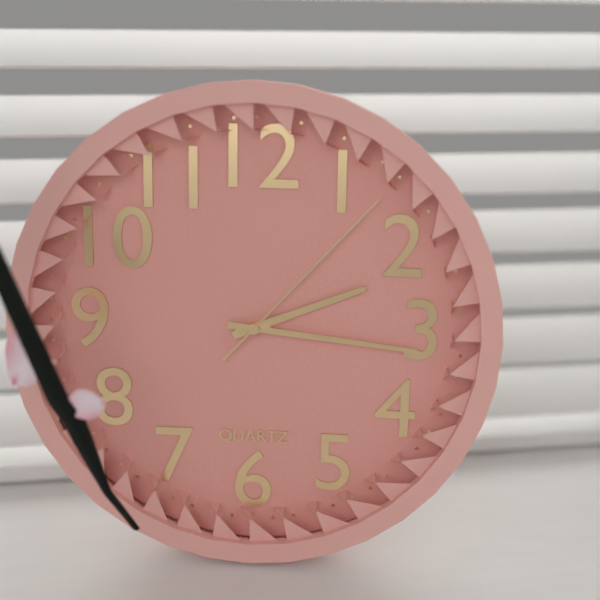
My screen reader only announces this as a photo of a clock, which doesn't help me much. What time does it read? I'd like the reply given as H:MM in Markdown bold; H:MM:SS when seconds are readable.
**2:16:07**
